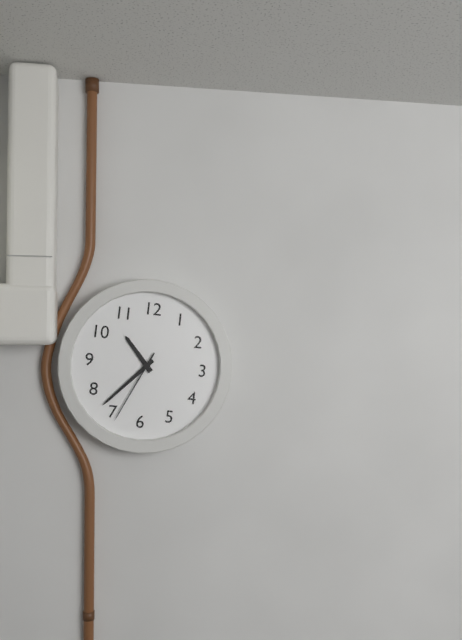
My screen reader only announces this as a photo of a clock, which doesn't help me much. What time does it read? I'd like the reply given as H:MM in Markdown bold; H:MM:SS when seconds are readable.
**10:37:34**
